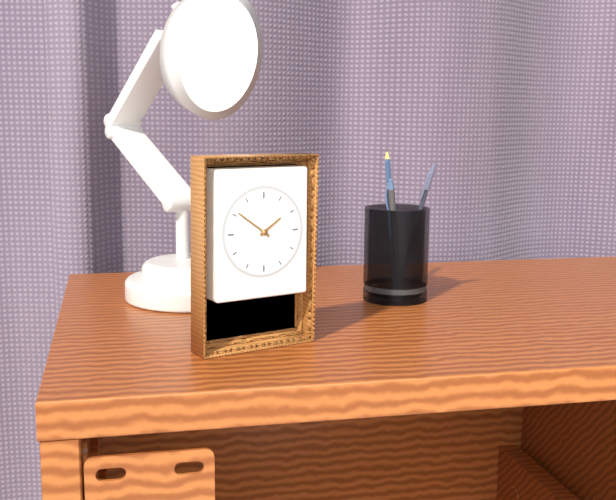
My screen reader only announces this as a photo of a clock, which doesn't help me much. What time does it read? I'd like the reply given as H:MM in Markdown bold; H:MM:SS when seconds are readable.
**1:51**
